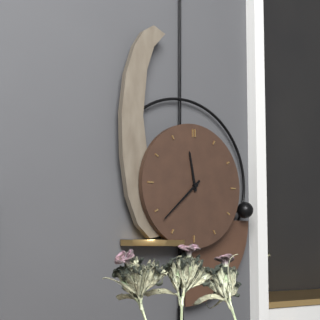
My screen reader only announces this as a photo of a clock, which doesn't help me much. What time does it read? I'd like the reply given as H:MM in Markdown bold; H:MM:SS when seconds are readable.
**11:38**
